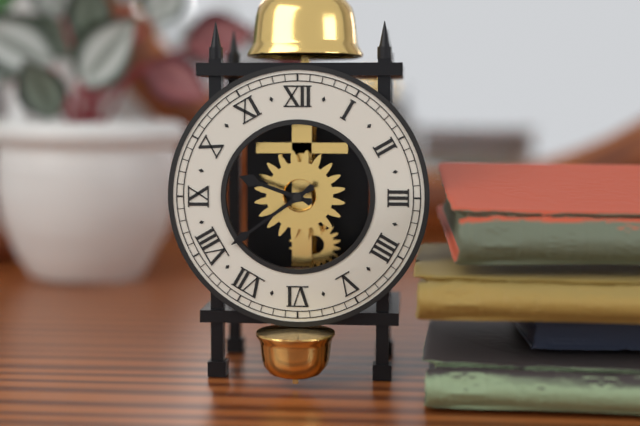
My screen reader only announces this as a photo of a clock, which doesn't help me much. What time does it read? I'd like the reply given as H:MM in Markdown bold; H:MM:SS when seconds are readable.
**9:39**
